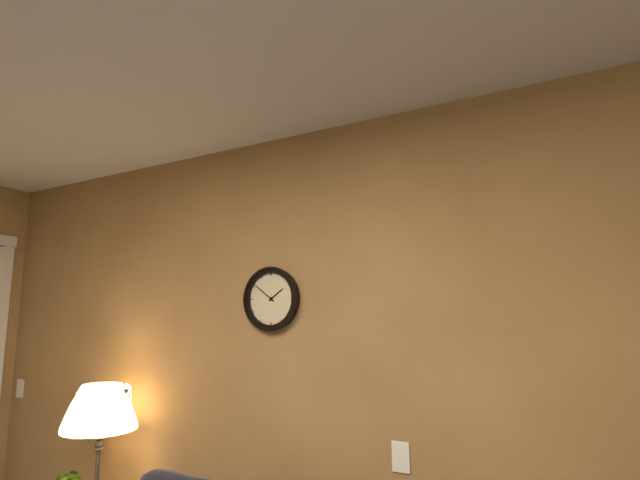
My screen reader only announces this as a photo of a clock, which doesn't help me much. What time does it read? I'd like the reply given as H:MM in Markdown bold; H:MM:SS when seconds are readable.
**1:51**
